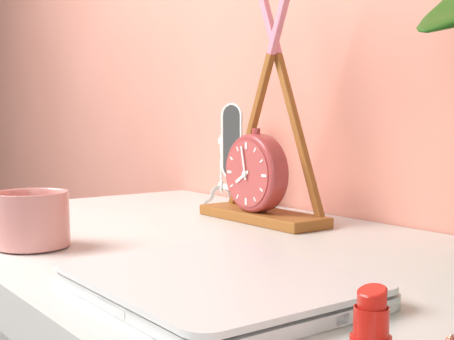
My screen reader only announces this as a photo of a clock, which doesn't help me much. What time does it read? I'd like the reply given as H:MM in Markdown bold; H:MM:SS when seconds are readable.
**7:58**
